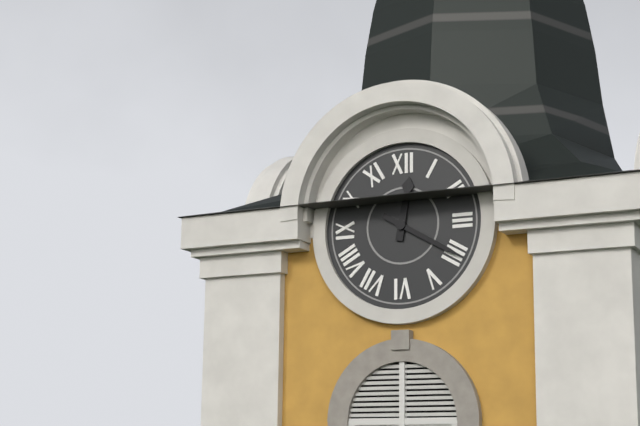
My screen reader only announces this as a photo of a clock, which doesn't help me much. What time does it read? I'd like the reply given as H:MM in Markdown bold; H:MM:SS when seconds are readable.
**12:20**
